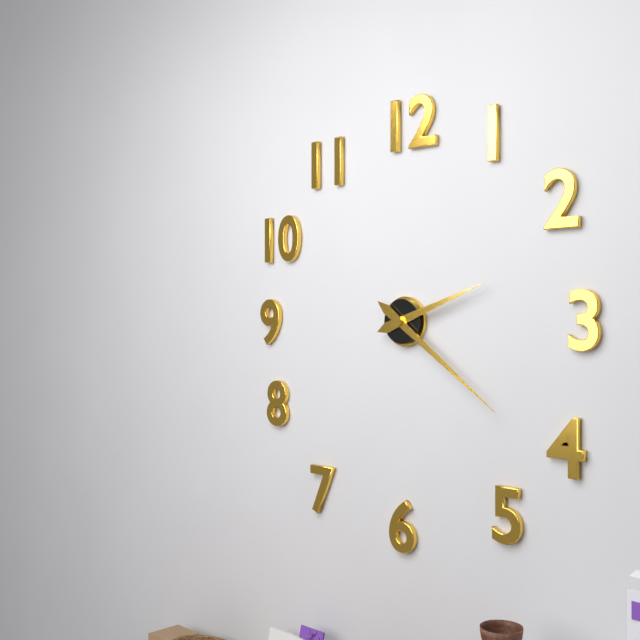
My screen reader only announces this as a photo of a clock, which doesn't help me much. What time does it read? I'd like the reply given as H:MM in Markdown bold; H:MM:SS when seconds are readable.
**2:21**
